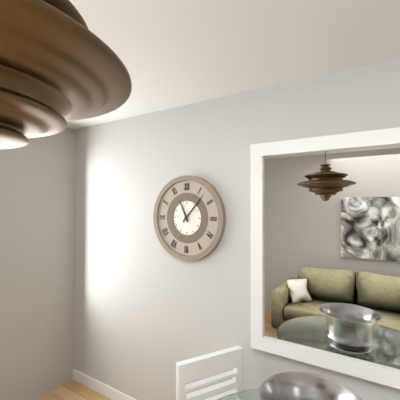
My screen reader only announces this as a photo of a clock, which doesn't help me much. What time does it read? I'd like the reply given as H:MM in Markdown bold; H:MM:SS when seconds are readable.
**11:07**
